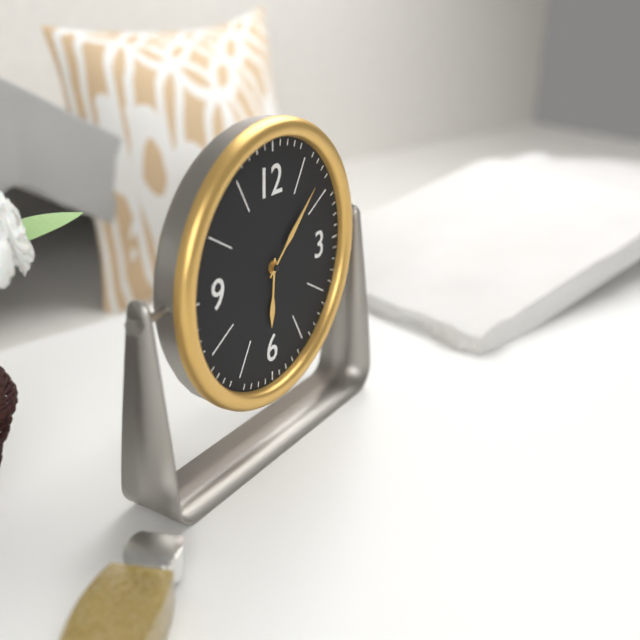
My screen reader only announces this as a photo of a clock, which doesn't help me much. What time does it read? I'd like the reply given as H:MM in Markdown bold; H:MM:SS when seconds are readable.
**6:08**
